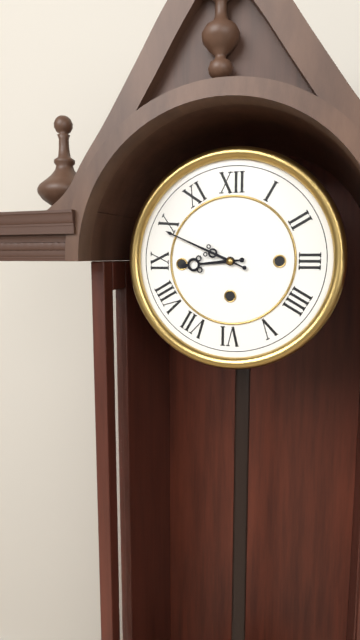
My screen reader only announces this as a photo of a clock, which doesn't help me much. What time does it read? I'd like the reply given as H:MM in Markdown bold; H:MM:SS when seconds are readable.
**8:49**
